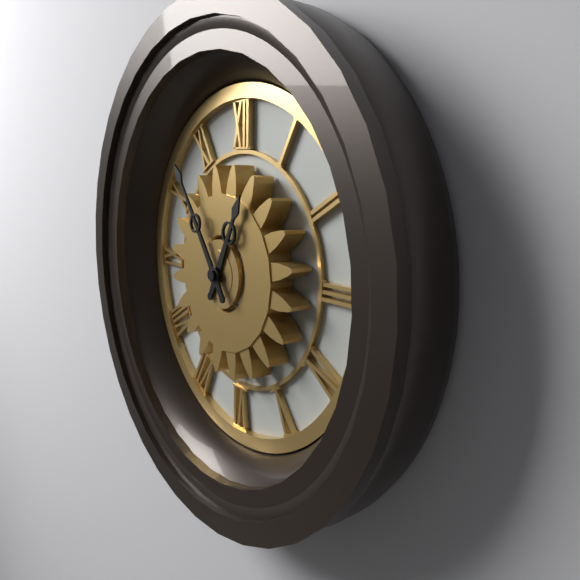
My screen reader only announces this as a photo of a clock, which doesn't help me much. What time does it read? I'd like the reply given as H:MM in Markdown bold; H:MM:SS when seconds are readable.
**12:54**
